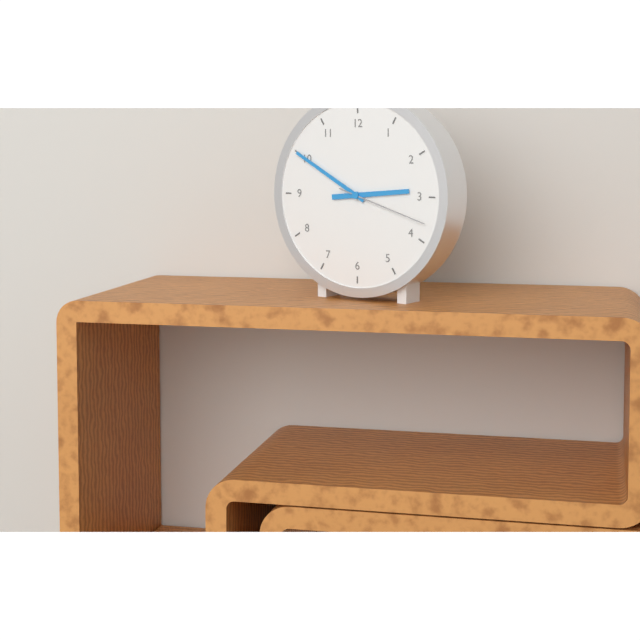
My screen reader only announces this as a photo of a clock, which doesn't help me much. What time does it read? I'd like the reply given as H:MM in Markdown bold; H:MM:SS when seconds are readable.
**2:50:18**
